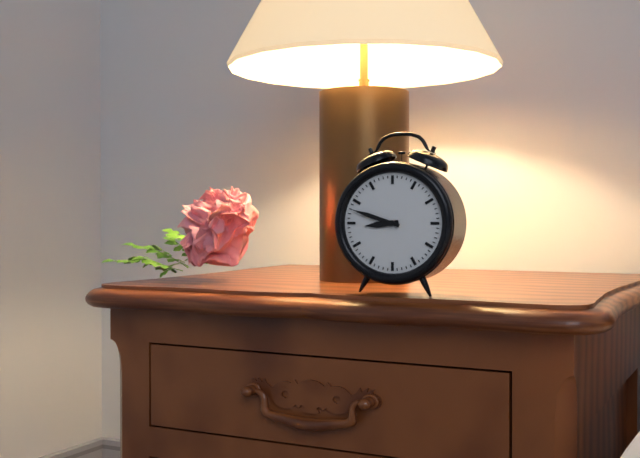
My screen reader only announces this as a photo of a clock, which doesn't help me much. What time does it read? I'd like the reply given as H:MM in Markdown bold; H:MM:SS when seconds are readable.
**8:48**
